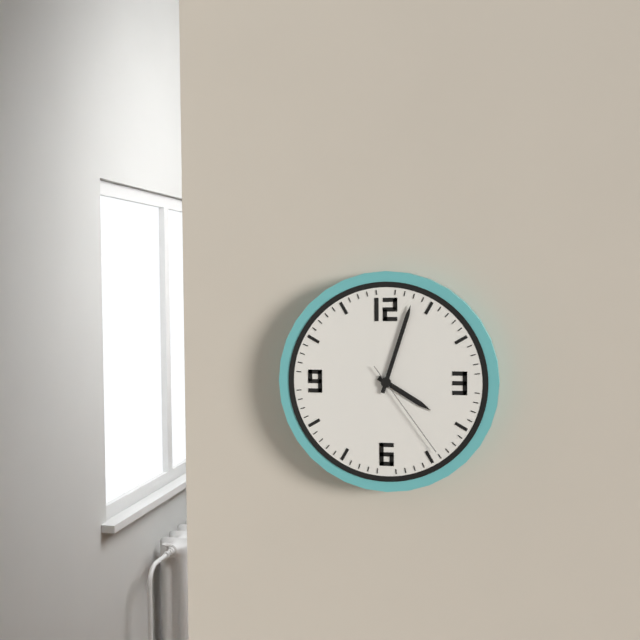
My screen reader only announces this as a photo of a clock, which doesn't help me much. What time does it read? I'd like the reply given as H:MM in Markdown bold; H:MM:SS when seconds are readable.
**4:03:24**
